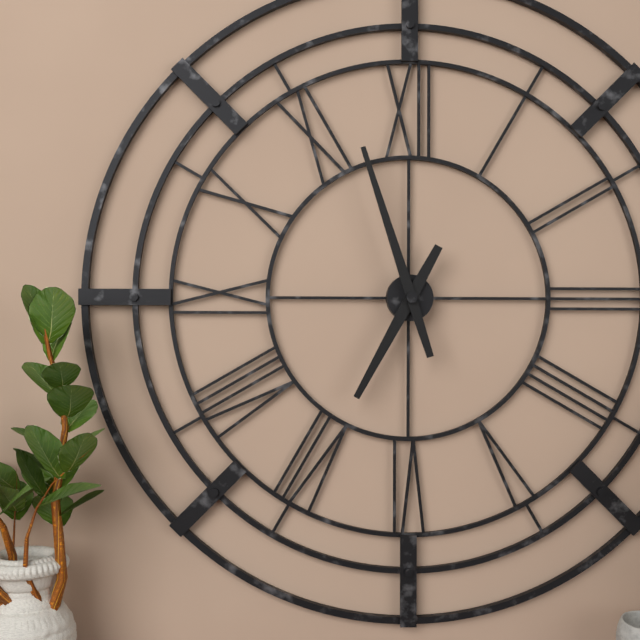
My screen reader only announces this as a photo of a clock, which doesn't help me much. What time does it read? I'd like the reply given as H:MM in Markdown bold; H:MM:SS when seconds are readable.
**6:57**
